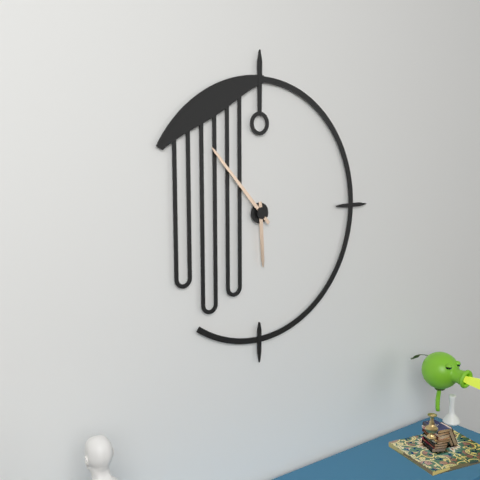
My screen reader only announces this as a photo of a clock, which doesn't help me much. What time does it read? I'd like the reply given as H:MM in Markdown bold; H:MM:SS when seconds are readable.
**5:53**
